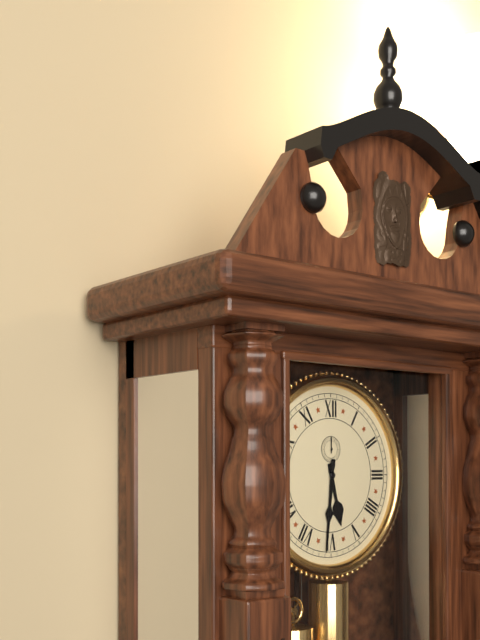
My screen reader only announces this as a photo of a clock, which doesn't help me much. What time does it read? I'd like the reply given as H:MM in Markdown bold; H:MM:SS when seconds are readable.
**5:31**
